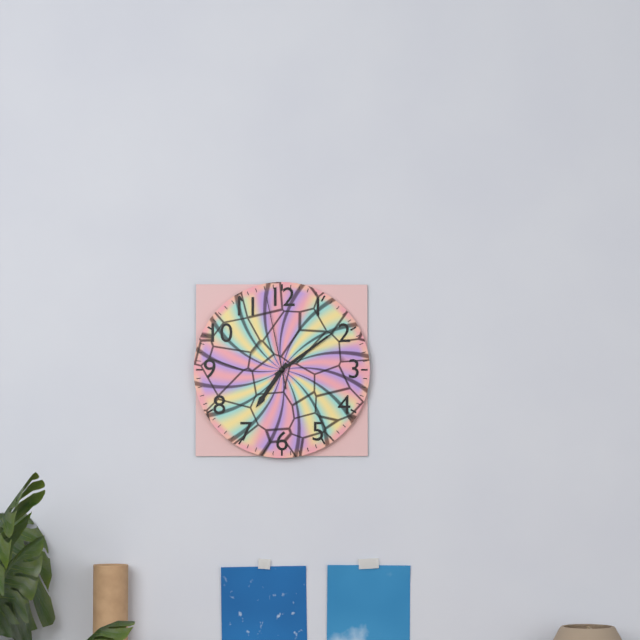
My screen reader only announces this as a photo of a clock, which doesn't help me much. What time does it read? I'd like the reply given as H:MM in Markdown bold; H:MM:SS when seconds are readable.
**7:09:58**
